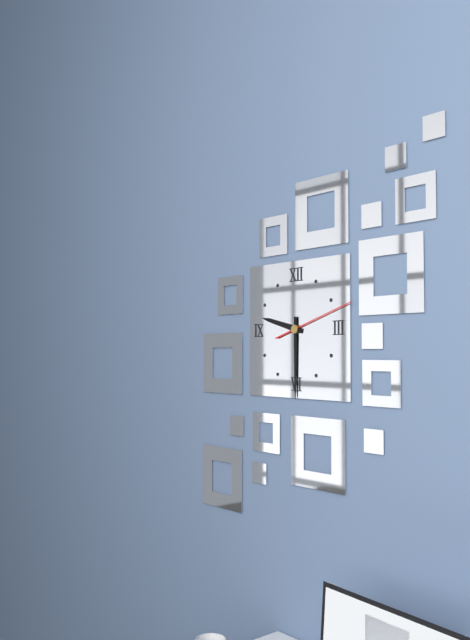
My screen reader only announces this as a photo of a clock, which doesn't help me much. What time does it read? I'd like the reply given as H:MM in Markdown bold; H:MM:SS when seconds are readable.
**9:30:12**
